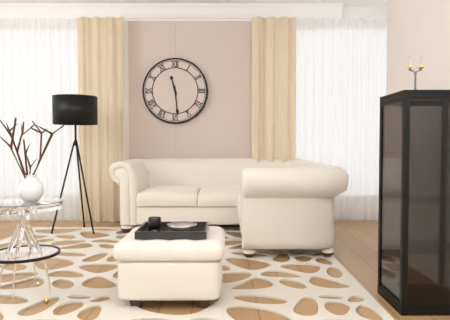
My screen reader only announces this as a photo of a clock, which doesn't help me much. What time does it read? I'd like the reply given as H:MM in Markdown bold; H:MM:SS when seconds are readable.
**11:29**
